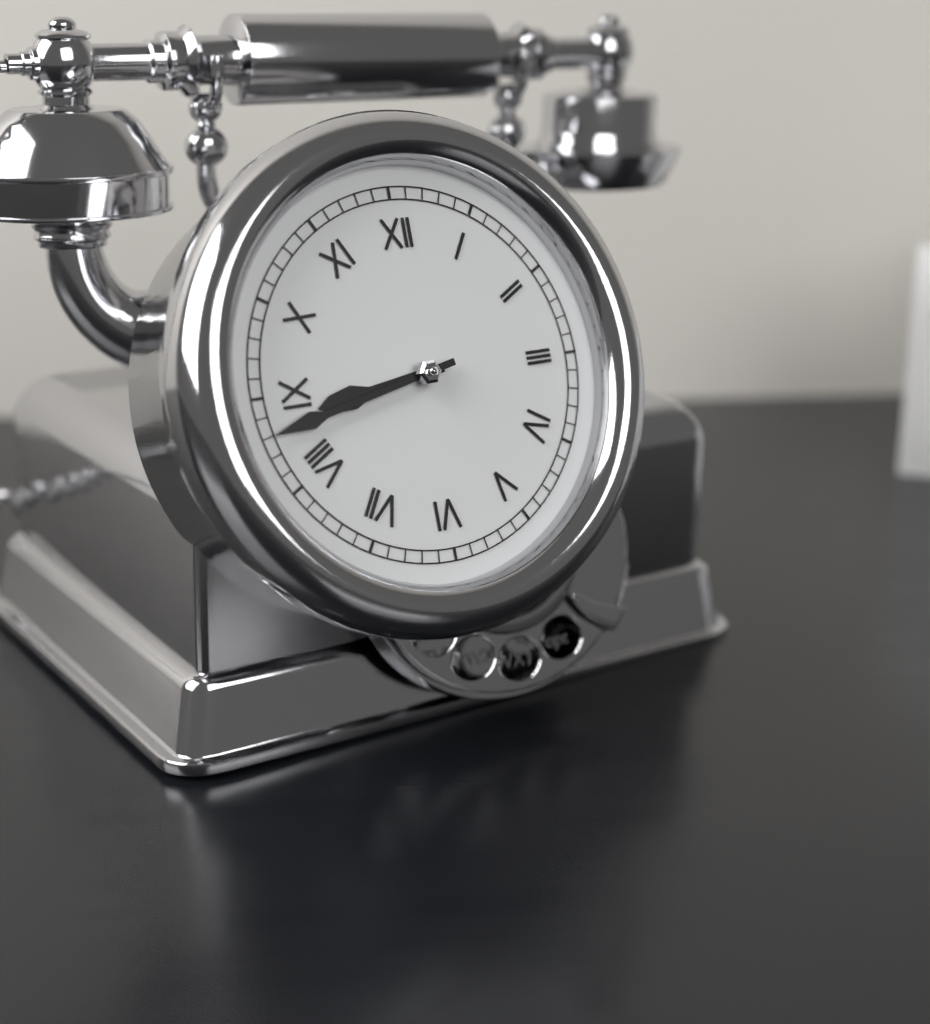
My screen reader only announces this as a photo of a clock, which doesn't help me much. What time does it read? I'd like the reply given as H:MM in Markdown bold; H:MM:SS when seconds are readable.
**8:43**
